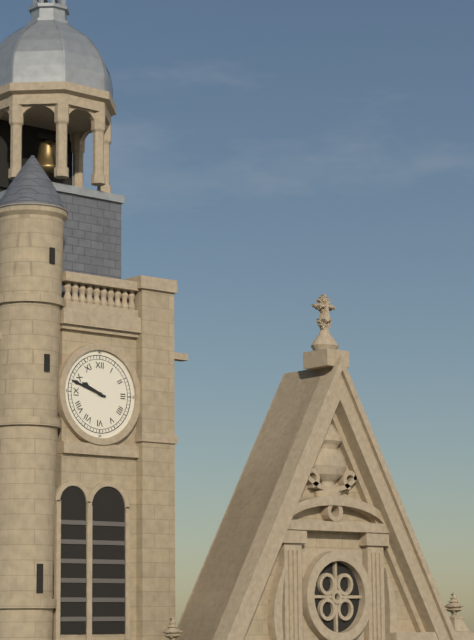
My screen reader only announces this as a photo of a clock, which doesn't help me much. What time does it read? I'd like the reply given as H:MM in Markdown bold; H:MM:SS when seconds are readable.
**9:48**
